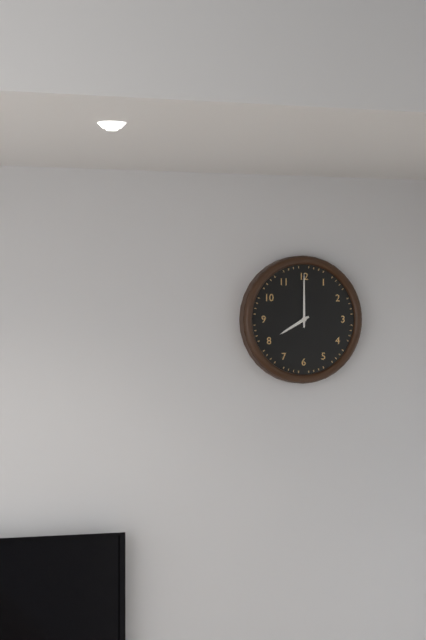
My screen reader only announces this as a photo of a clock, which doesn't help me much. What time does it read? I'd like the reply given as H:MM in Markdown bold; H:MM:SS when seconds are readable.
**8:00**
